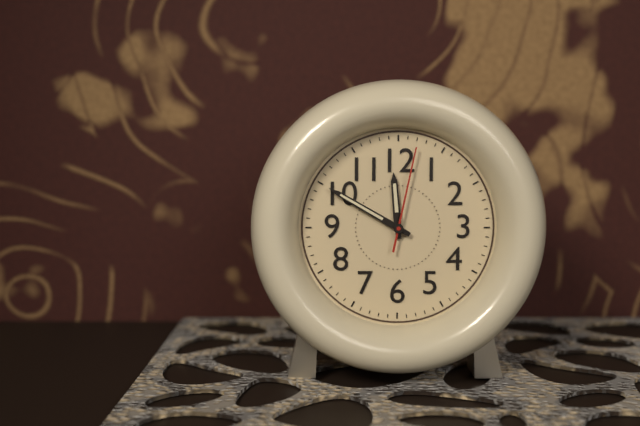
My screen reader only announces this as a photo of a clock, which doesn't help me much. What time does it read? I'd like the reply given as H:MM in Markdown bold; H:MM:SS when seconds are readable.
**11:50:02**
